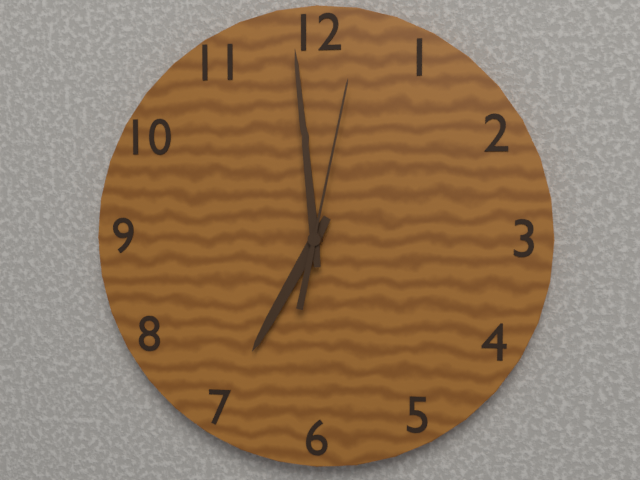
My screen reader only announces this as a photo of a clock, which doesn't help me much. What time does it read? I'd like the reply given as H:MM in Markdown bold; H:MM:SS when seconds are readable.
**6:59:02**
